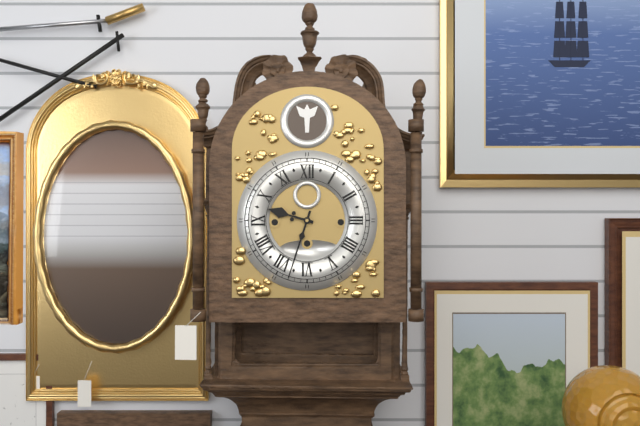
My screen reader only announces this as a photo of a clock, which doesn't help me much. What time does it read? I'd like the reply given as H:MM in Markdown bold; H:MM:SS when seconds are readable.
**9:33**
